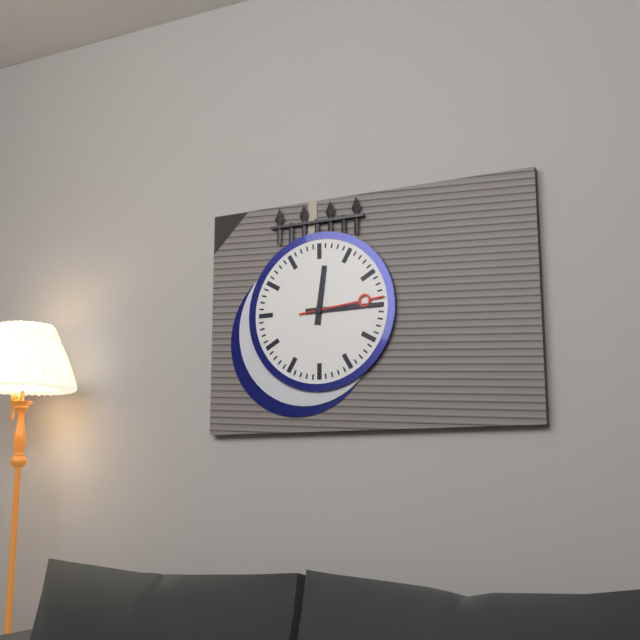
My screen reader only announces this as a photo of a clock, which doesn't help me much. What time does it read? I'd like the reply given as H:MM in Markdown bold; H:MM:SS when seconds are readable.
**12:15:14**
